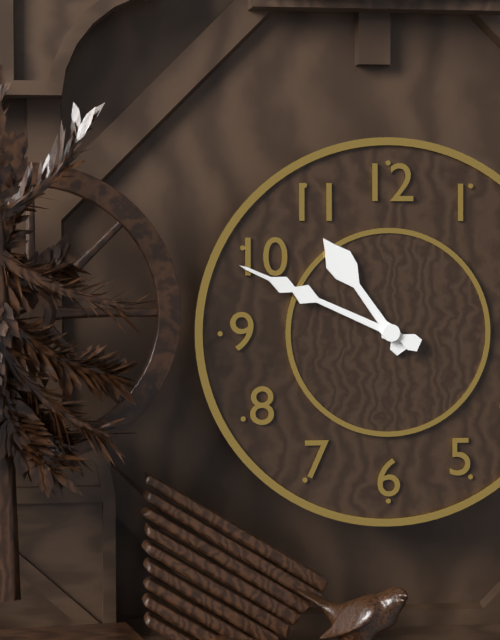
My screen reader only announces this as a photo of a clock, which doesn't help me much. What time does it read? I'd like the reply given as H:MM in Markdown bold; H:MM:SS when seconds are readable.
**10:49**
